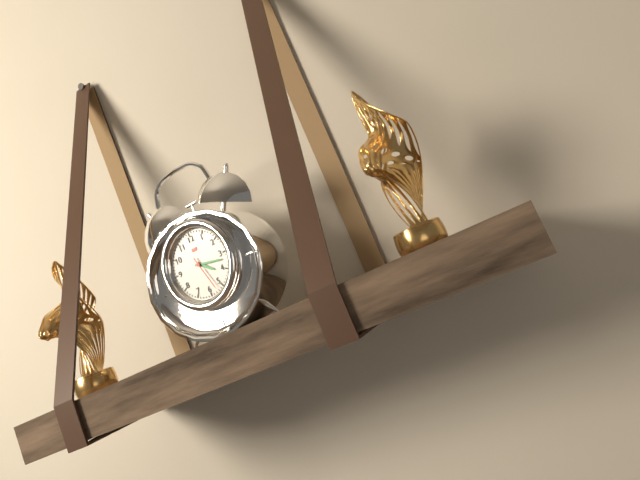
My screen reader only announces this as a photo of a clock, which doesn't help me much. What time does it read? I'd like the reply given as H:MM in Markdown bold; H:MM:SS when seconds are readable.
**4:17**
